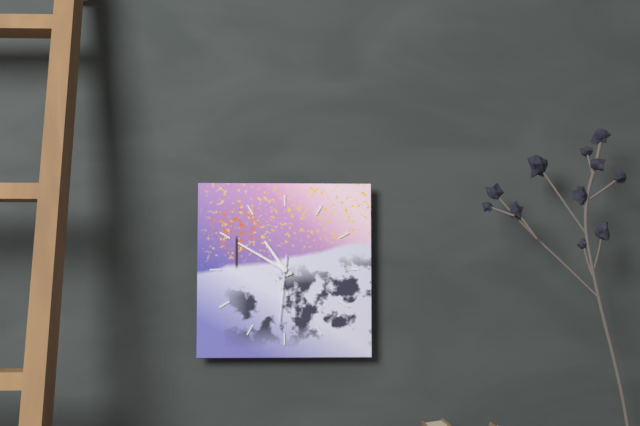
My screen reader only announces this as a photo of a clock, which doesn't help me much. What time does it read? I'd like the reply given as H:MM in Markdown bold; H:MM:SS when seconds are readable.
**10:50:31**
